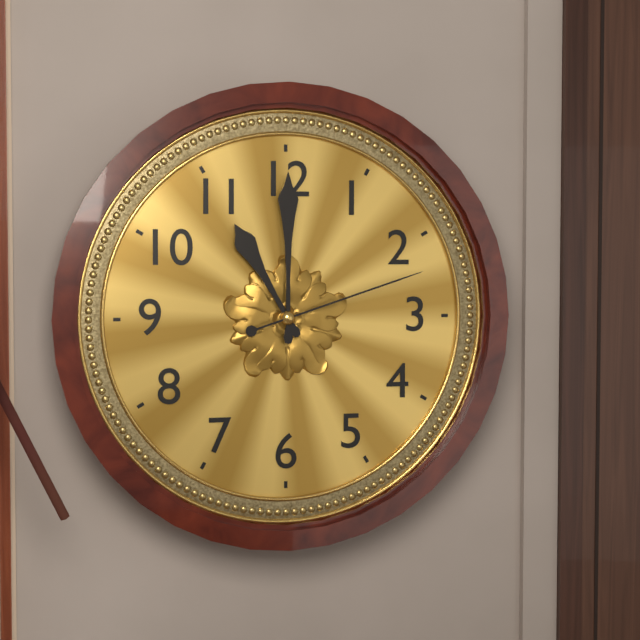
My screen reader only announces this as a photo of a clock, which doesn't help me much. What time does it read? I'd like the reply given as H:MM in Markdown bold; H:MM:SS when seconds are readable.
**11:00:12**
